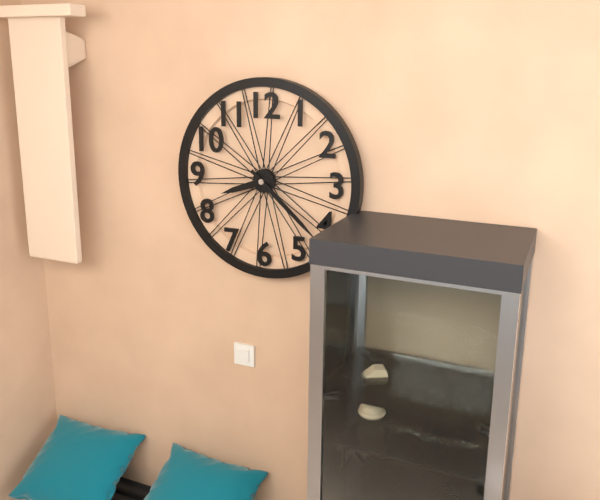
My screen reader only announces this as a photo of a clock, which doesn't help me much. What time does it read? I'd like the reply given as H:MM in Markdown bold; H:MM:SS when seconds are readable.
**8:22**
